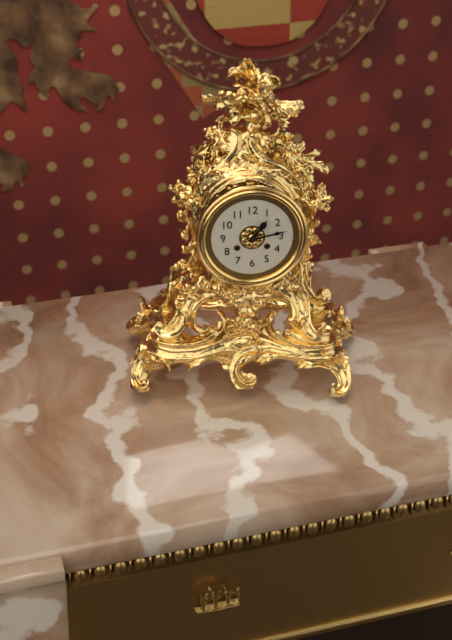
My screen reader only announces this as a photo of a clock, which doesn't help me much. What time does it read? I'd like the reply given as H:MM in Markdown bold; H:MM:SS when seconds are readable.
**1:13**
